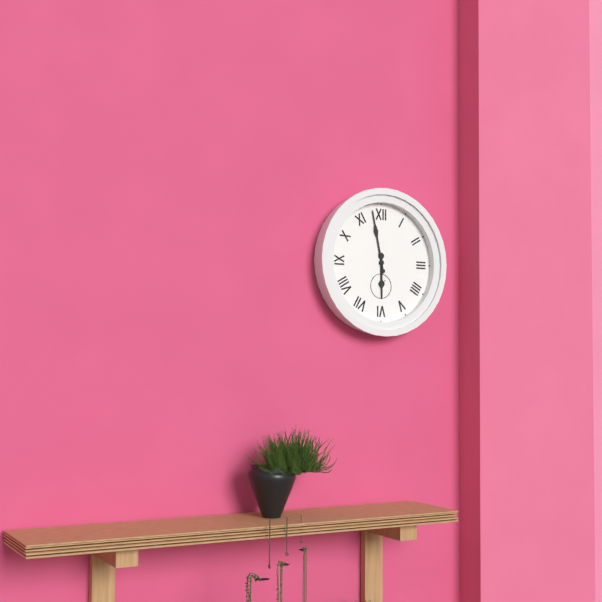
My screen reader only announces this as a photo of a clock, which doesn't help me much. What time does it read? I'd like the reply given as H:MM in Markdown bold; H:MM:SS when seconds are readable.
**5:58**
